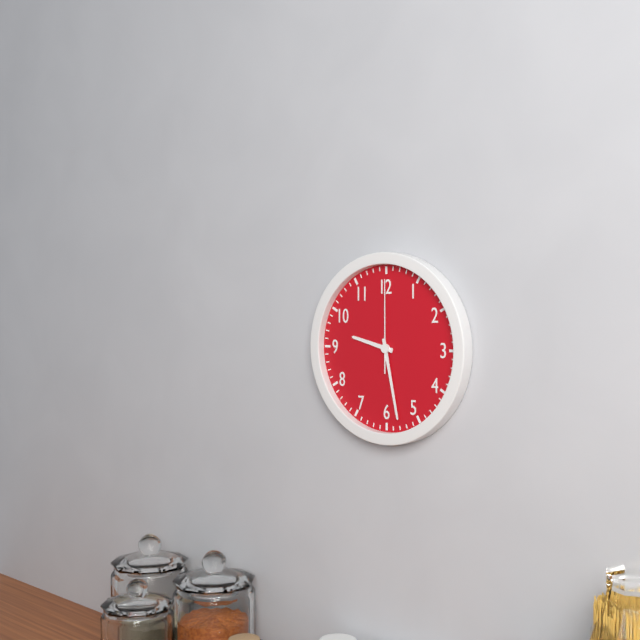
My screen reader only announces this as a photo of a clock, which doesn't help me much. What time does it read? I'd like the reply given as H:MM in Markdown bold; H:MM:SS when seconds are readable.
**9:28:00**
